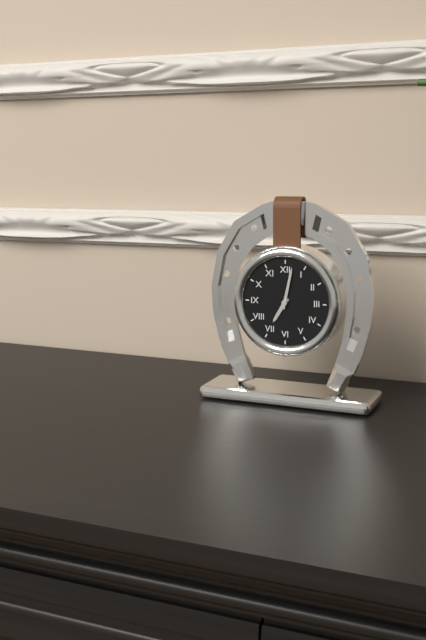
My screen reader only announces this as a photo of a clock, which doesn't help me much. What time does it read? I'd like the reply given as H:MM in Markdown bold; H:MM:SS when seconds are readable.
**7:02**
